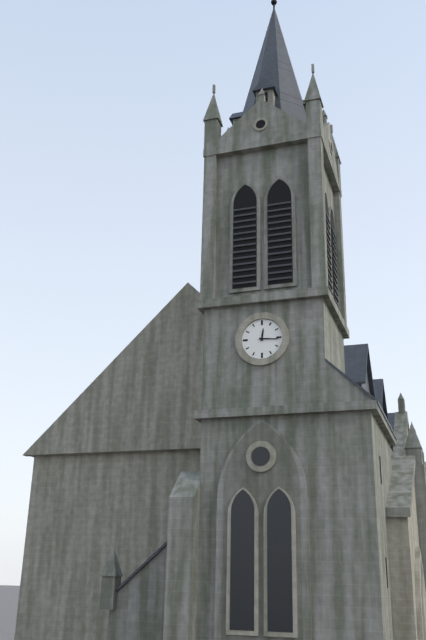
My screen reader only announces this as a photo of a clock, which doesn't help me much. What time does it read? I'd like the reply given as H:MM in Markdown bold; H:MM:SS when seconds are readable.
**12:16**
